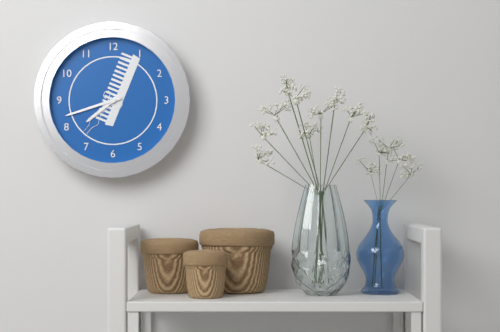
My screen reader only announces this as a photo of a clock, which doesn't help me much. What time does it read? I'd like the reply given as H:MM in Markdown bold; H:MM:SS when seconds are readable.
**7:42**
